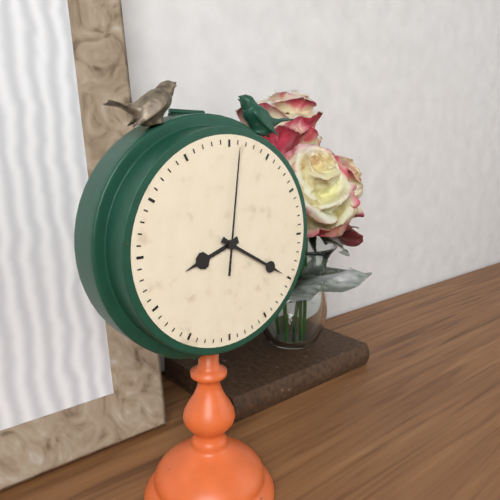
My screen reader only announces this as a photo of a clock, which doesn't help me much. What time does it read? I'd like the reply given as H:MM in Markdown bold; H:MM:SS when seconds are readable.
**8:20:01**
